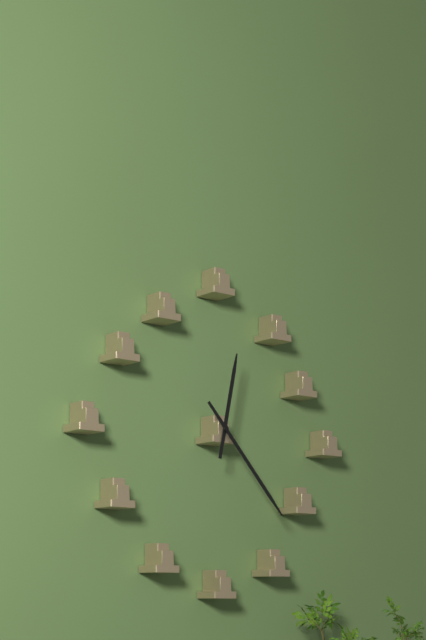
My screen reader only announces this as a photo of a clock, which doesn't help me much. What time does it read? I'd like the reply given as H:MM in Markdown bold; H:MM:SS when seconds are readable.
**12:23**
